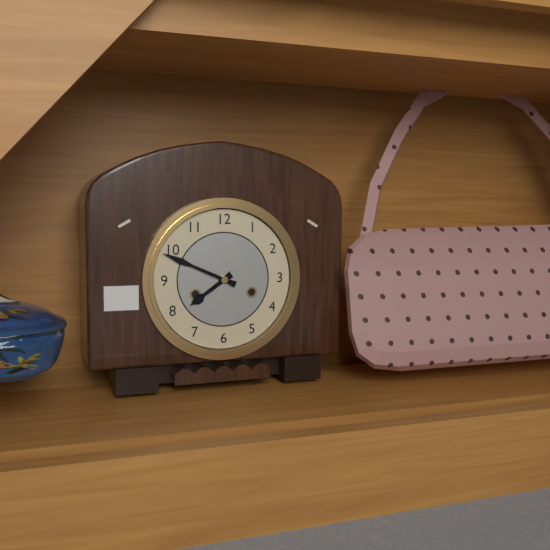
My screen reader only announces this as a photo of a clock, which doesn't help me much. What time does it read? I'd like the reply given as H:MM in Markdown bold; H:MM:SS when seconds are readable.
**7:49**
